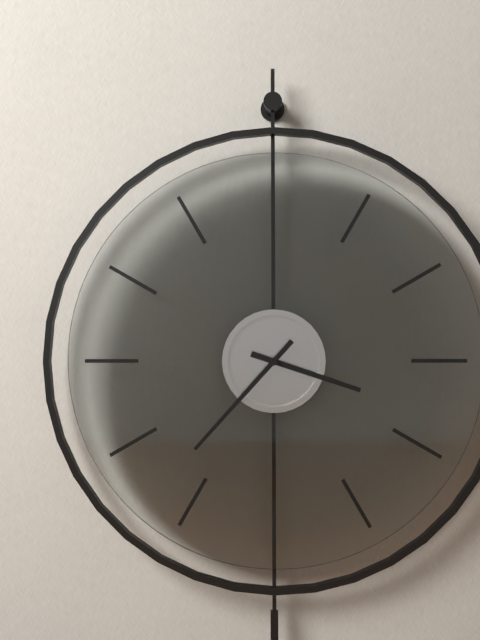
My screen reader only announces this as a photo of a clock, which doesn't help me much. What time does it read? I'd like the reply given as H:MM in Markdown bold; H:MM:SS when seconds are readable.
**3:37**
